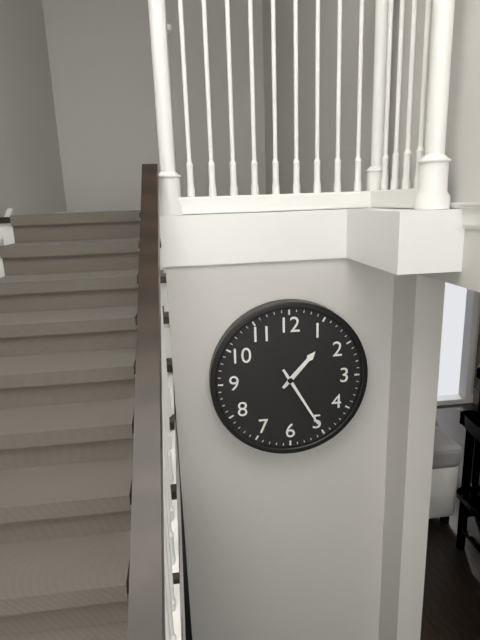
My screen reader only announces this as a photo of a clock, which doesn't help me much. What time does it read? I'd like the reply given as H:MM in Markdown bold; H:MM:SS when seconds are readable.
**1:25**
